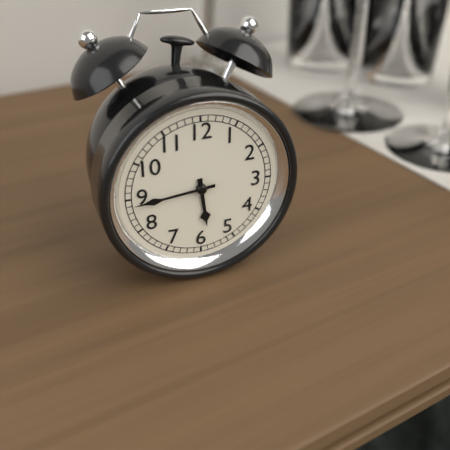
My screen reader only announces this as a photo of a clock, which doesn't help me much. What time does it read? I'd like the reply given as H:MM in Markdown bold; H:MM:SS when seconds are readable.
**5:44**
